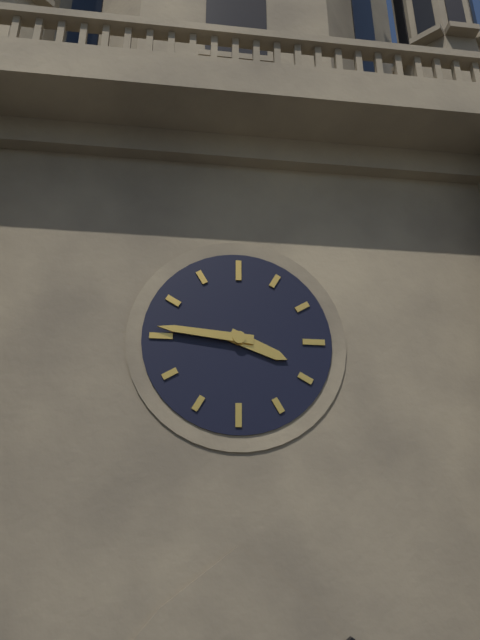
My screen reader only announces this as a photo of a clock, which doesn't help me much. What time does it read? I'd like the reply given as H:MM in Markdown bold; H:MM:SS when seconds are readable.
**3:46**
